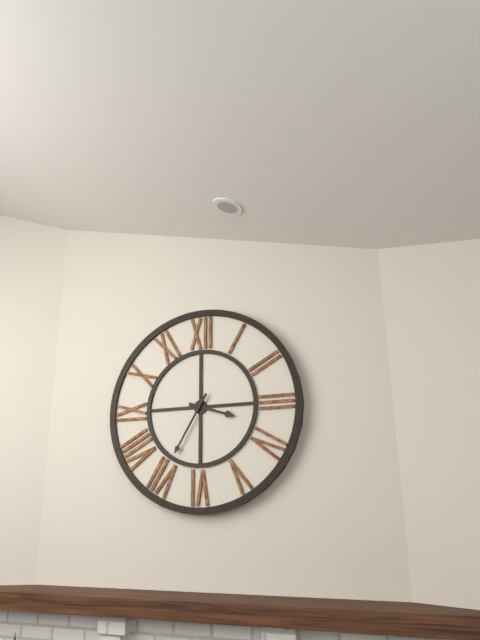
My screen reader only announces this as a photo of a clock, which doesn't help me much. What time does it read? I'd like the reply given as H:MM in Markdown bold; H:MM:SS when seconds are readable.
**3:35**
